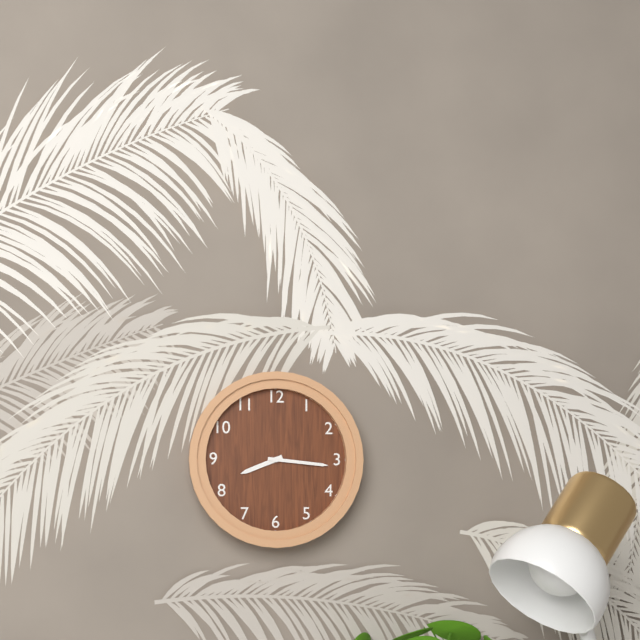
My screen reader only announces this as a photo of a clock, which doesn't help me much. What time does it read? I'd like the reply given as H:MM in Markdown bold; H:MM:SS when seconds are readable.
**8:16**
